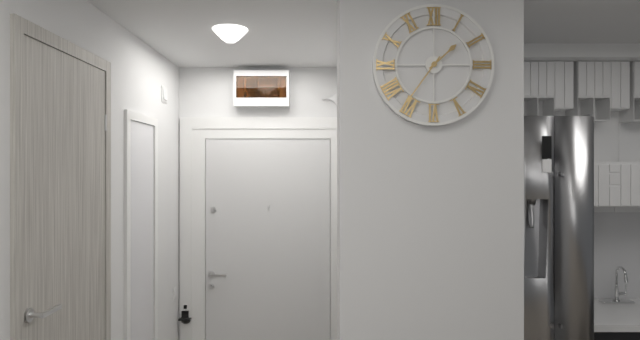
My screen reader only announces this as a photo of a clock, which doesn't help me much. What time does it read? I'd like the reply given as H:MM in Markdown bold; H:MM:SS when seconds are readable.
**1:36**
